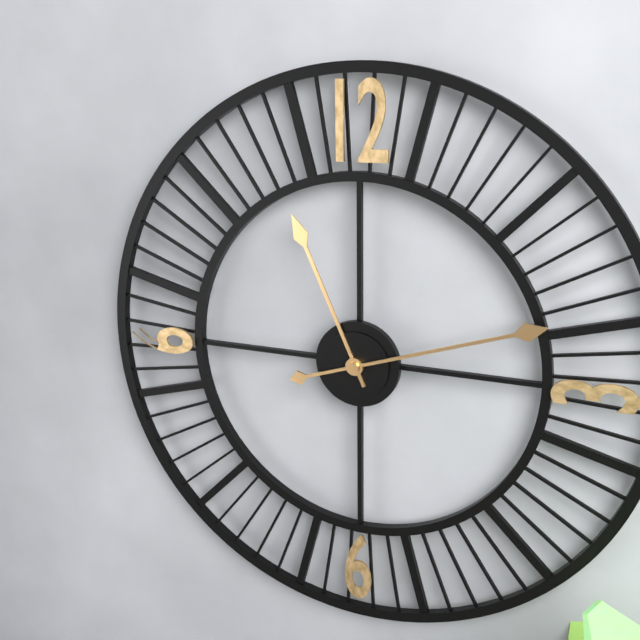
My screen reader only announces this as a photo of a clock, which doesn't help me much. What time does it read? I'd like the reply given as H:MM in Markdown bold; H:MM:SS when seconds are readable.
**11:12**
